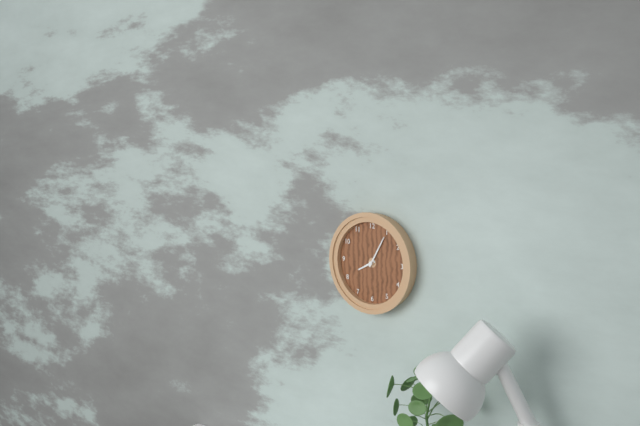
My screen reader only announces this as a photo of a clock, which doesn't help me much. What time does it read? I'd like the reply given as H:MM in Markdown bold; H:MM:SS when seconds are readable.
**8:05**
